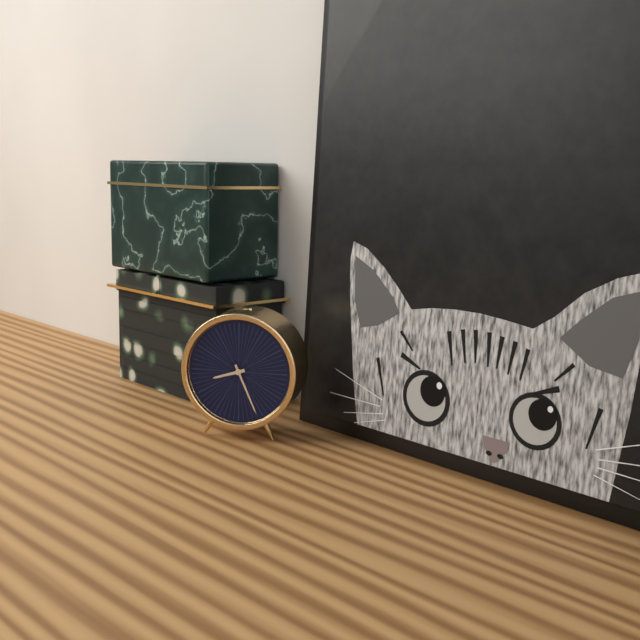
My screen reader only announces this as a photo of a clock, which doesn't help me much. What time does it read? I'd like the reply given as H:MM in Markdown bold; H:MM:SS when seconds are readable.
**8:26**
